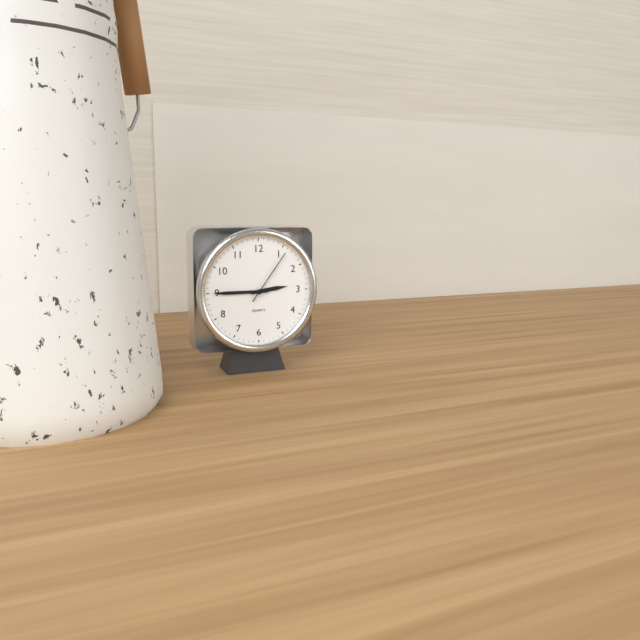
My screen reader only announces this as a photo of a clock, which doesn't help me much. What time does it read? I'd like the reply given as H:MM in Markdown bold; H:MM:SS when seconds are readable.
**2:45:06**
